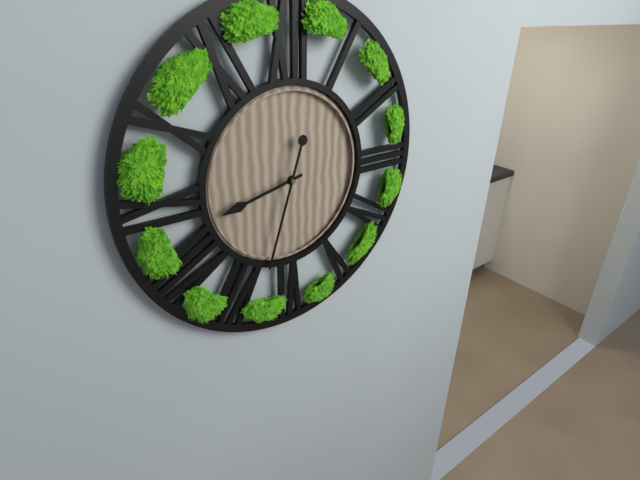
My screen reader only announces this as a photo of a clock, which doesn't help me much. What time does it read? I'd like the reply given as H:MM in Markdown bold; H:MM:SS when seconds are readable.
**8:33**
